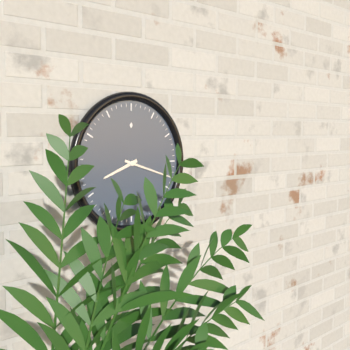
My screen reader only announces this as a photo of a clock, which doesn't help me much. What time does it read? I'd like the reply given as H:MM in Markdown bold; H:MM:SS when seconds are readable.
**8:18**
